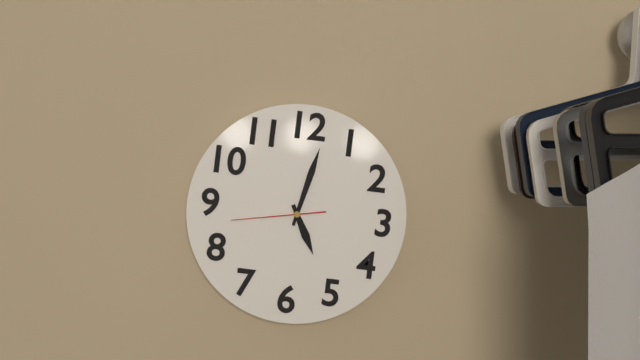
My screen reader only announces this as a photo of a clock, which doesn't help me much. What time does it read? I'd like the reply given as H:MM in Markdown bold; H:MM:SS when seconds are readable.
**5:02:43**
